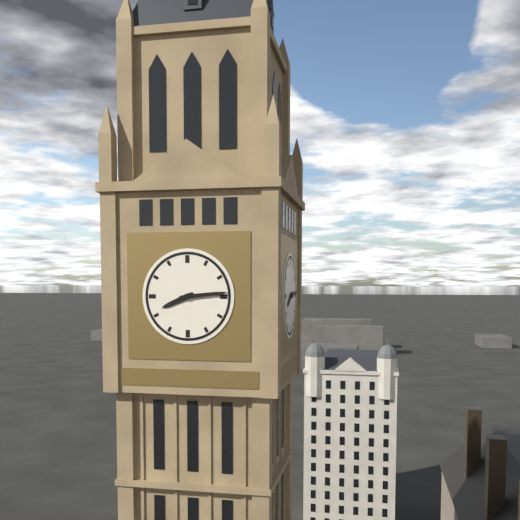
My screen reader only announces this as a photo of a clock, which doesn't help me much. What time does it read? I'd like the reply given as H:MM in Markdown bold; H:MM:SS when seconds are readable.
**8:14**
